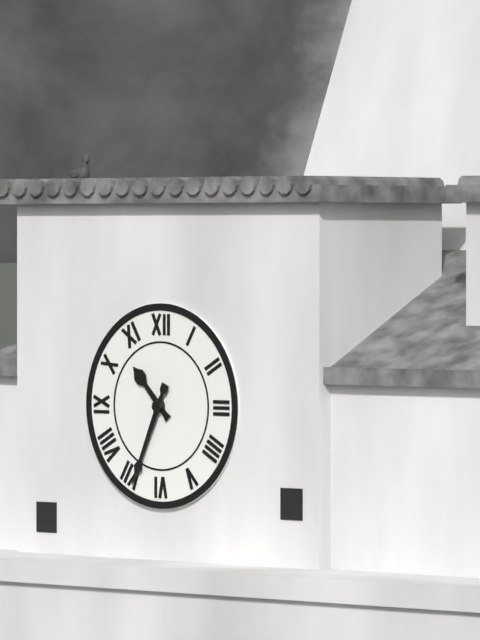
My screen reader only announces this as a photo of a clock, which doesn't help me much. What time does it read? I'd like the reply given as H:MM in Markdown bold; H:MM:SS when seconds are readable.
**10:34**
